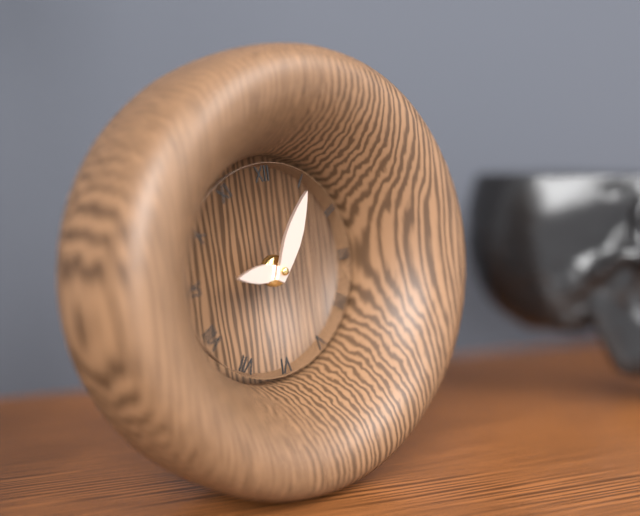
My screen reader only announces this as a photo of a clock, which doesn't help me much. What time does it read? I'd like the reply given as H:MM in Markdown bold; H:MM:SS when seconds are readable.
**9:05**
